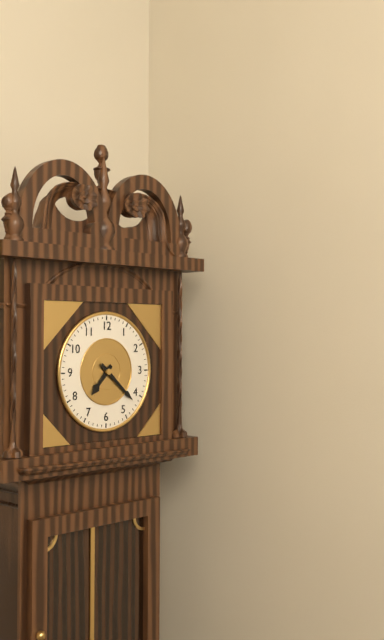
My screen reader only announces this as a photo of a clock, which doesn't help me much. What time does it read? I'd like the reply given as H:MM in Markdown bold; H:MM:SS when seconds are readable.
**7:22**
